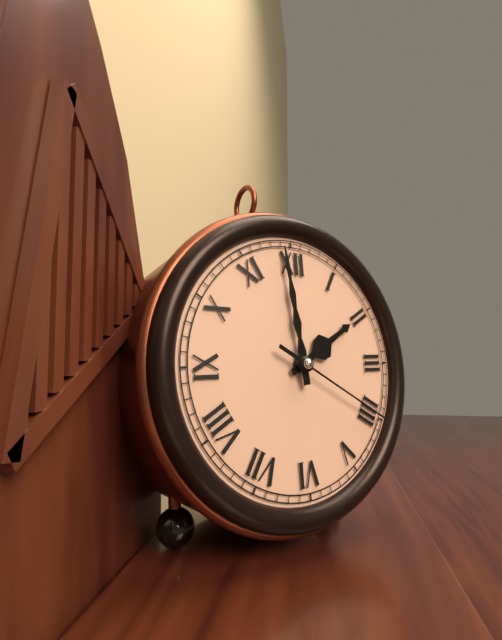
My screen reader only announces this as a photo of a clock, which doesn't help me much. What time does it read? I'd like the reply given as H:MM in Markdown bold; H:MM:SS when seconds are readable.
**1:59:20**
